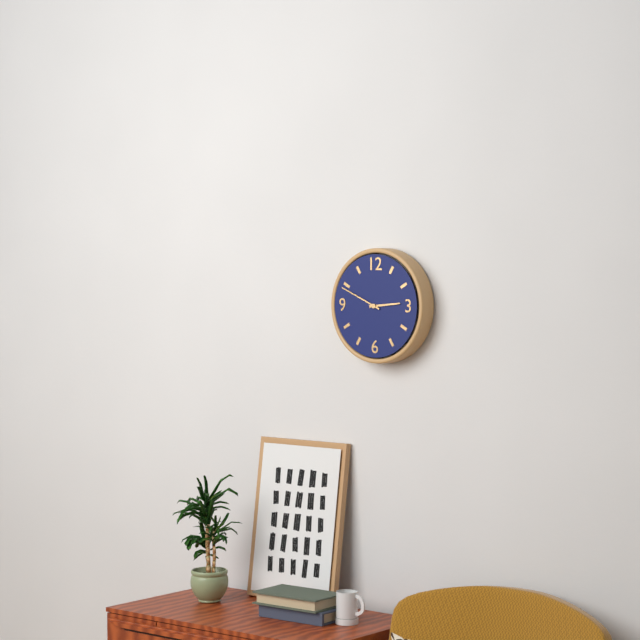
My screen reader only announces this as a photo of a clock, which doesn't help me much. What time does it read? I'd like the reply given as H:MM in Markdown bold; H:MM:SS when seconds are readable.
**2:49**
